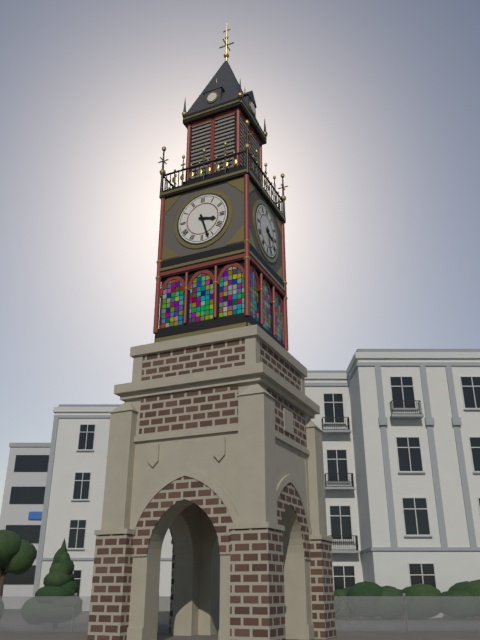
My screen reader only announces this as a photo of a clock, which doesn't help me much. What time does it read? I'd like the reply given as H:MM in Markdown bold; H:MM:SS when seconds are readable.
**3:27**
